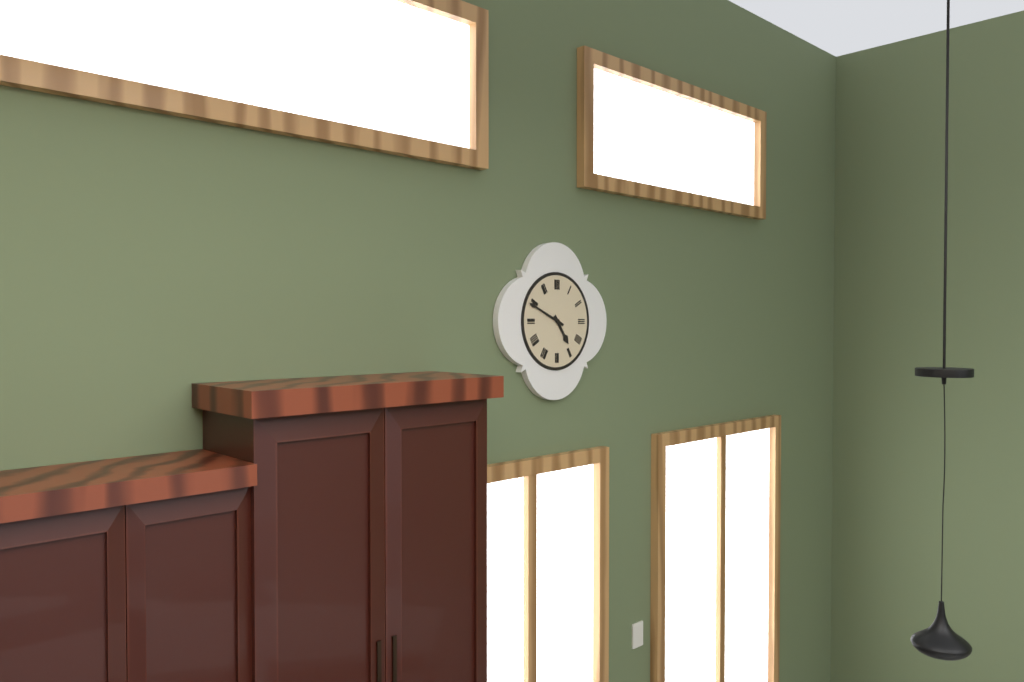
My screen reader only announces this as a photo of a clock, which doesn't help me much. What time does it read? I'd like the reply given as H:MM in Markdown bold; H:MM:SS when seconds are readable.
**4:49**
